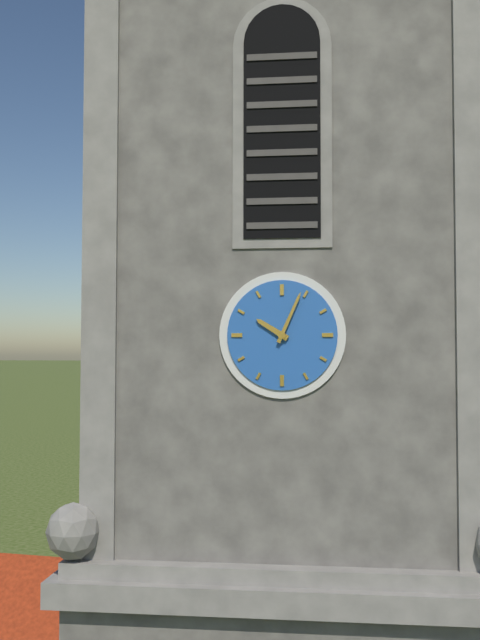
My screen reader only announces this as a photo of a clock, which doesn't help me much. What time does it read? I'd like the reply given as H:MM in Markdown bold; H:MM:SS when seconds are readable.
**10:04**
